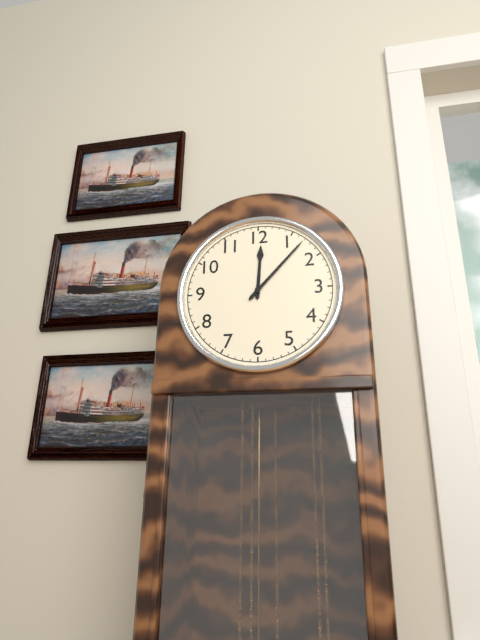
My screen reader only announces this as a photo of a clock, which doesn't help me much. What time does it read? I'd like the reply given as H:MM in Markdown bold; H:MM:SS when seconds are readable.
**12:07**
